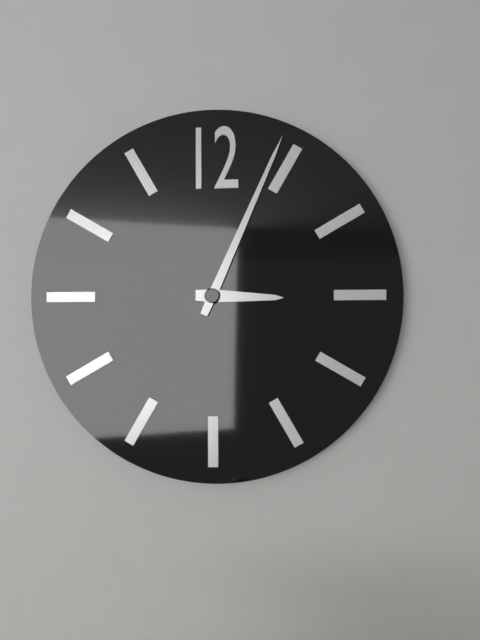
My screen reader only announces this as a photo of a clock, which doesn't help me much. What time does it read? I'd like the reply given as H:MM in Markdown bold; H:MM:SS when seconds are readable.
**3:04**
